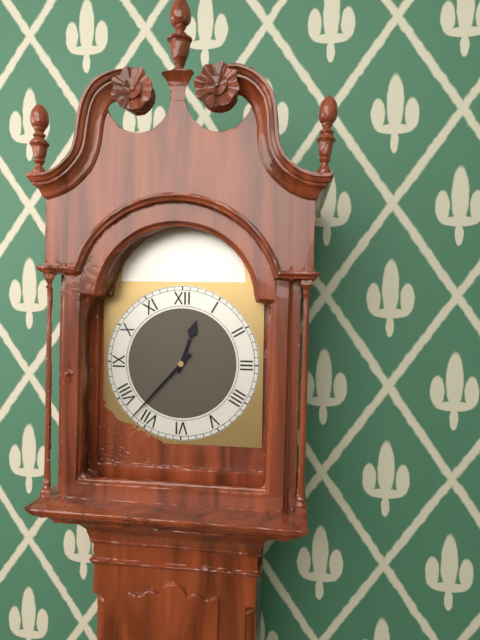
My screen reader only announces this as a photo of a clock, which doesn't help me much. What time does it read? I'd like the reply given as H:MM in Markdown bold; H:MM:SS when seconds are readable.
**12:37**
